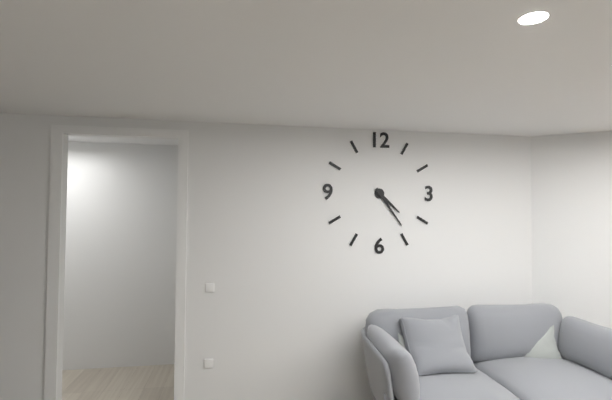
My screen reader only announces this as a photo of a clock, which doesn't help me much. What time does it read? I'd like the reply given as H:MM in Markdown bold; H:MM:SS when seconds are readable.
**4:24**
